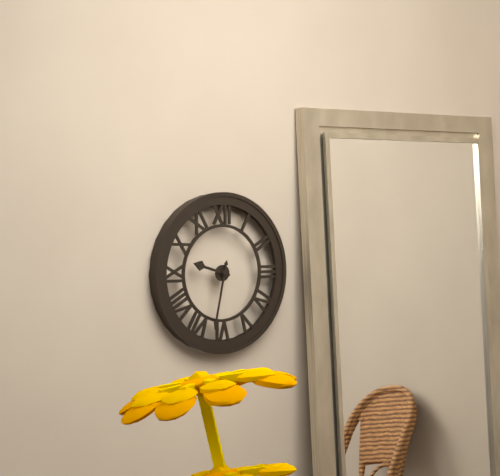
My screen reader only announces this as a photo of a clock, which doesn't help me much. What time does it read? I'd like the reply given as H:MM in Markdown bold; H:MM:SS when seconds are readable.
**9:32**
